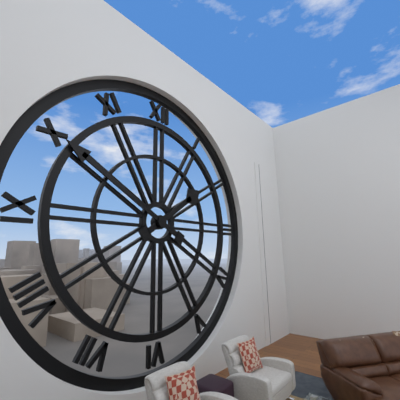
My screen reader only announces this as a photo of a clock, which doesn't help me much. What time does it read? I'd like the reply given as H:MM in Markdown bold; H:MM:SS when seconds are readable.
**1:50**
